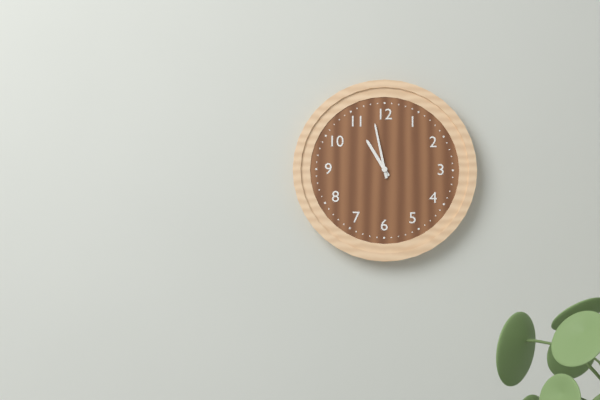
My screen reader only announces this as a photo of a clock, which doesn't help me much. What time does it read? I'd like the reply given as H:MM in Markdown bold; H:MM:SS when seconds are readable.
**10:58**
